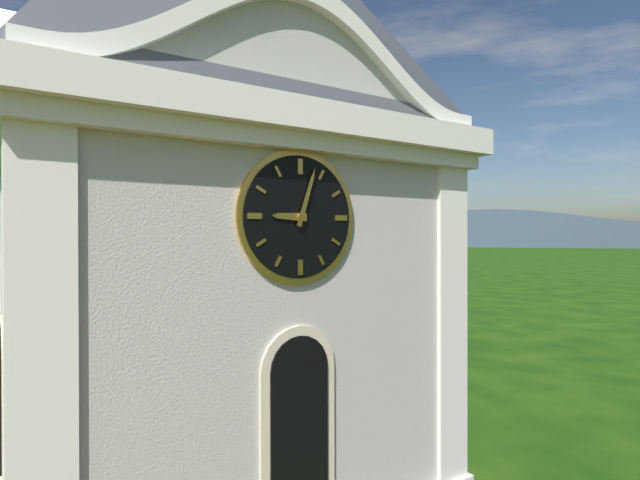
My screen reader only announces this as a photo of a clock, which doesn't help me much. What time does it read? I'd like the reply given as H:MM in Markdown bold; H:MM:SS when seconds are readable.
**9:03**
